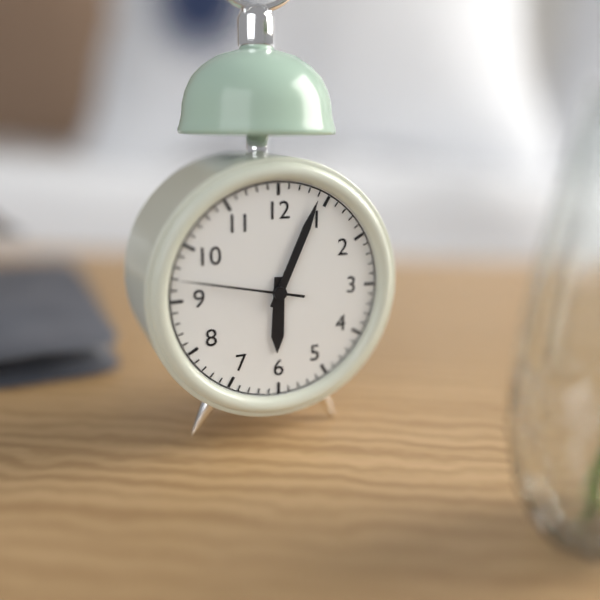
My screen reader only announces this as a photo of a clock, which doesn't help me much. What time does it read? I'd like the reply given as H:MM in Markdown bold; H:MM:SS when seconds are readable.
**6:04:47**
